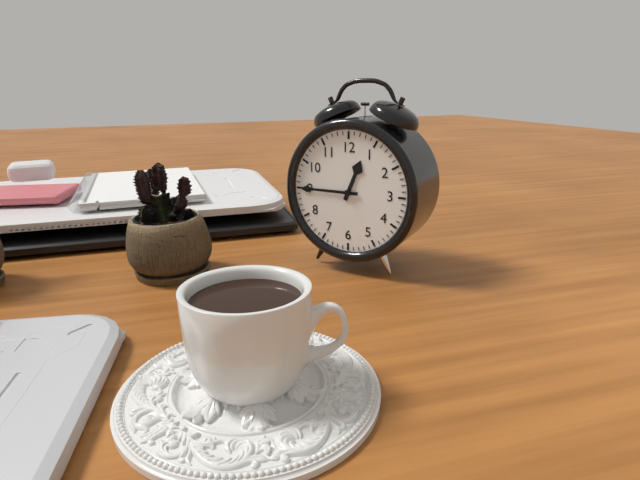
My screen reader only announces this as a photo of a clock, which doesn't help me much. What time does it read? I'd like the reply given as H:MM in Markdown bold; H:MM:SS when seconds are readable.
**12:45**
